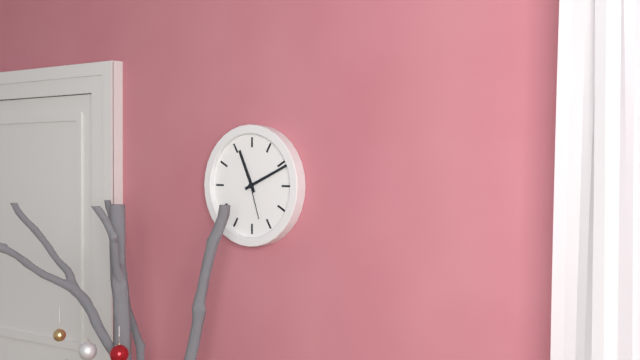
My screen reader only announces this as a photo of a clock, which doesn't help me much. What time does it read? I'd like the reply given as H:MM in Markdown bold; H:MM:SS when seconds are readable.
**11:11**
